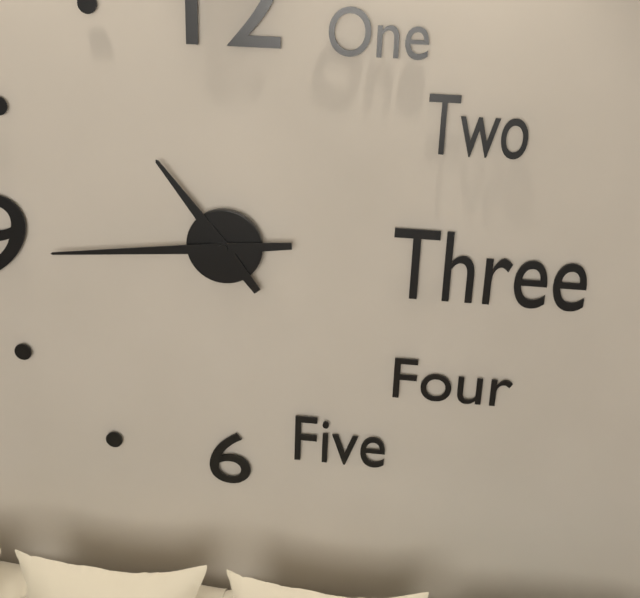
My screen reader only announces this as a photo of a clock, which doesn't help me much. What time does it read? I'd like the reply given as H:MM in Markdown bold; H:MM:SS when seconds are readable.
**10:44**
